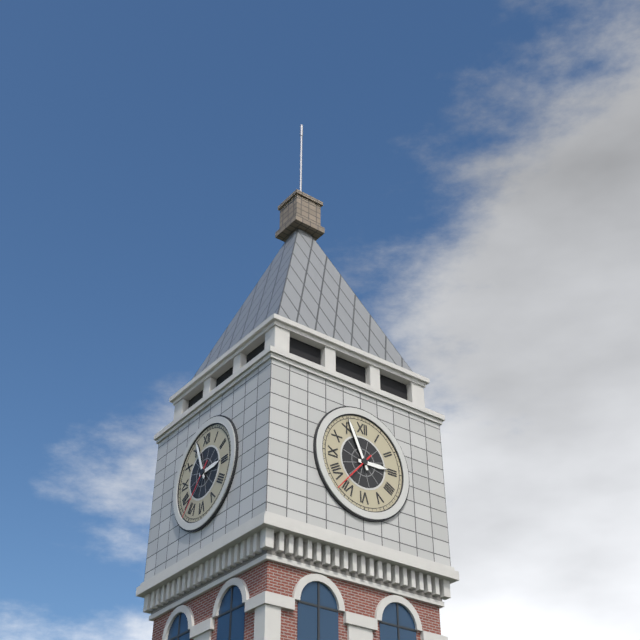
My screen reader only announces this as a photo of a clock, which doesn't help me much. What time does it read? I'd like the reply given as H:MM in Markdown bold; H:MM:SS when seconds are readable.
**2:56**
